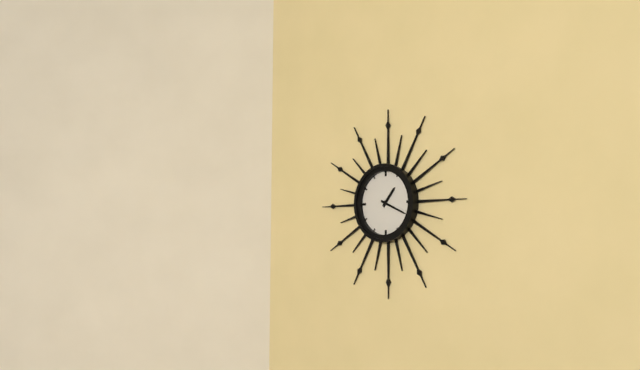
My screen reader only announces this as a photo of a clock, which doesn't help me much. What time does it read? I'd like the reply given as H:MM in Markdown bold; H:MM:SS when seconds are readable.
**1:19**
